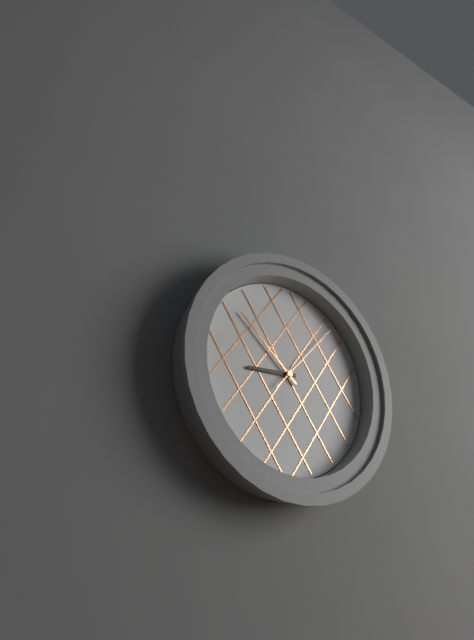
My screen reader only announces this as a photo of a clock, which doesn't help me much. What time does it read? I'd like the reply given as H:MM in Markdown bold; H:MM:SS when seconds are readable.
**8:52:07**
